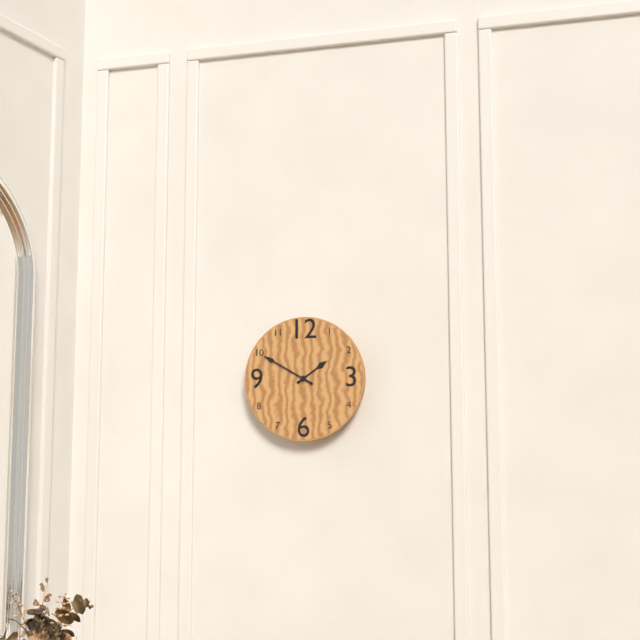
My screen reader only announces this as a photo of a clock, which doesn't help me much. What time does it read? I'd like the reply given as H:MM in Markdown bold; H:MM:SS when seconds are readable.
**1:50**
